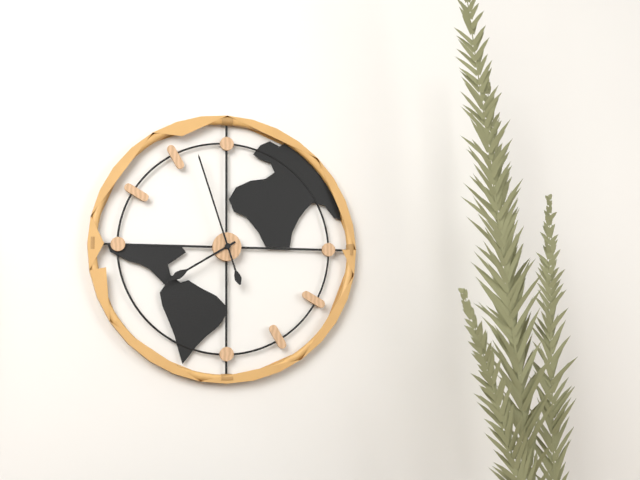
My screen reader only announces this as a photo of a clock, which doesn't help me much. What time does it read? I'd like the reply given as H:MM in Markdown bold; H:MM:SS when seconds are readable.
**7:57**
